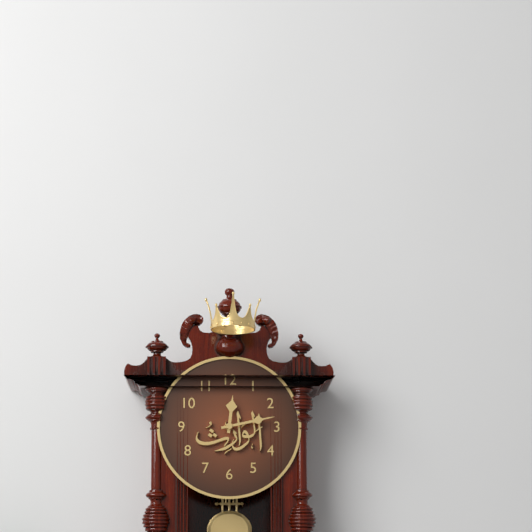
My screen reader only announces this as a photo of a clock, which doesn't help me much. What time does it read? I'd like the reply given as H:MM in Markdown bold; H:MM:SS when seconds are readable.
**12:13**
